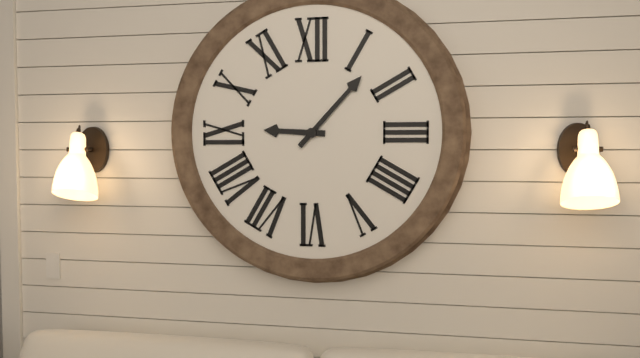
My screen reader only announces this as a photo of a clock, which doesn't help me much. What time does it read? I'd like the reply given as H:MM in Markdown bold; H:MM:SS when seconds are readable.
**9:07**
